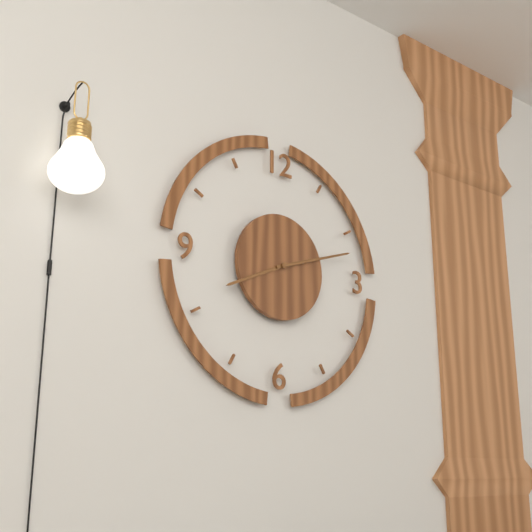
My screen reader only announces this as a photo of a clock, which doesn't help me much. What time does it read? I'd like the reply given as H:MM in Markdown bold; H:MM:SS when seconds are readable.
**8:12**
